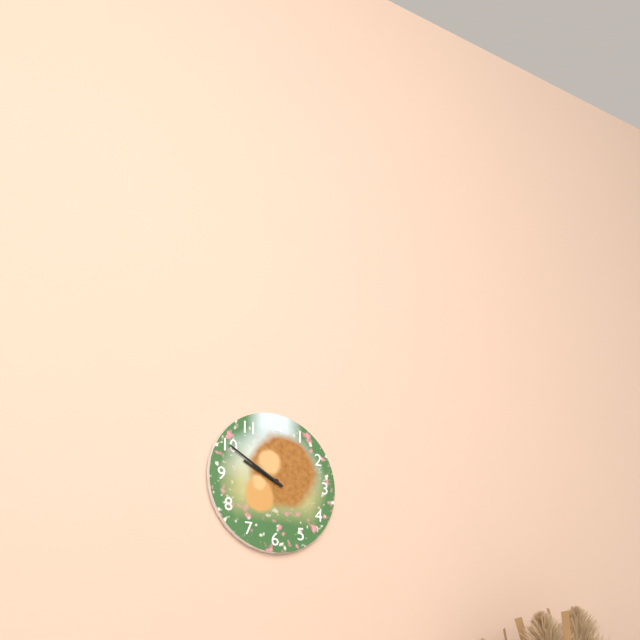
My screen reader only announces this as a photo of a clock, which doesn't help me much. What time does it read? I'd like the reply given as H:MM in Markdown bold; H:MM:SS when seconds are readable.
**9:50**
